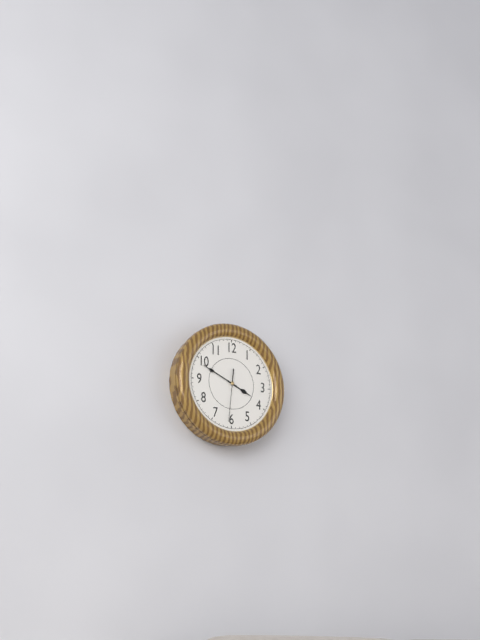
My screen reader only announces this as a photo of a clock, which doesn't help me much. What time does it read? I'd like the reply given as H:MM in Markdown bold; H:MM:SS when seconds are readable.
**3:49**
